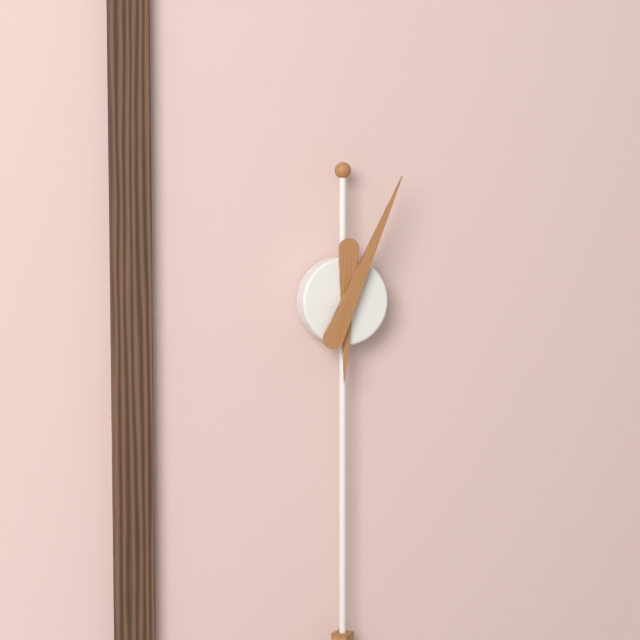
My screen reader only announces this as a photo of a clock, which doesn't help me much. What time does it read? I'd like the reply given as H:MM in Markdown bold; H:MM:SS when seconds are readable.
**6:04**
